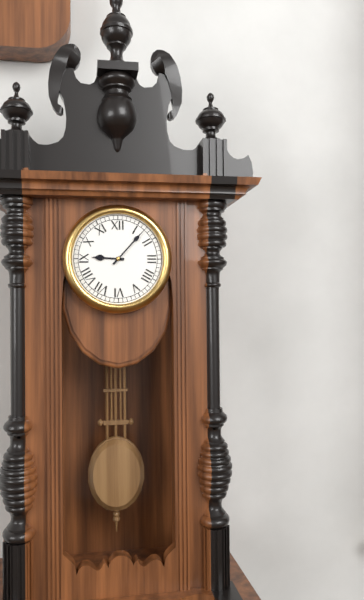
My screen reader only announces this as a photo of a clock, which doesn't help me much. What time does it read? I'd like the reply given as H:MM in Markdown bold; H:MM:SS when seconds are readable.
**9:07**
